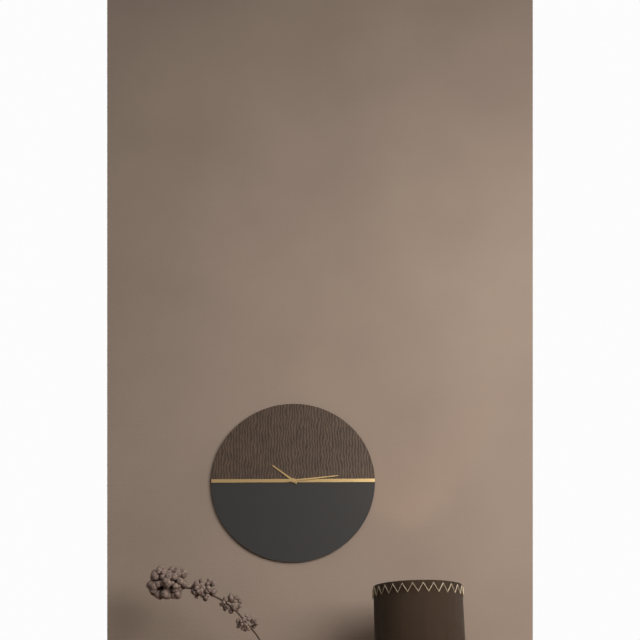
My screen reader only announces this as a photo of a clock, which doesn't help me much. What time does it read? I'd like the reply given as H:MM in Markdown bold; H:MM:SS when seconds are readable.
**10:14**
